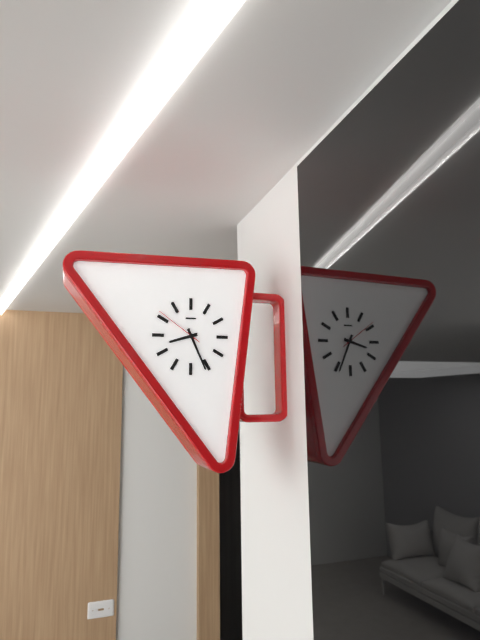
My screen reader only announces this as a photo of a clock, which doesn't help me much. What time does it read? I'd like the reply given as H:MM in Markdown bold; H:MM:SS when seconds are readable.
**8:26:51**
